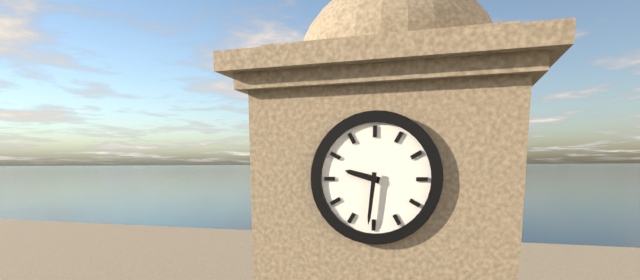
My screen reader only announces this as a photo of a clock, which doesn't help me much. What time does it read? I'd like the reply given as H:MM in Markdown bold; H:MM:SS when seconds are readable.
**9:31**
